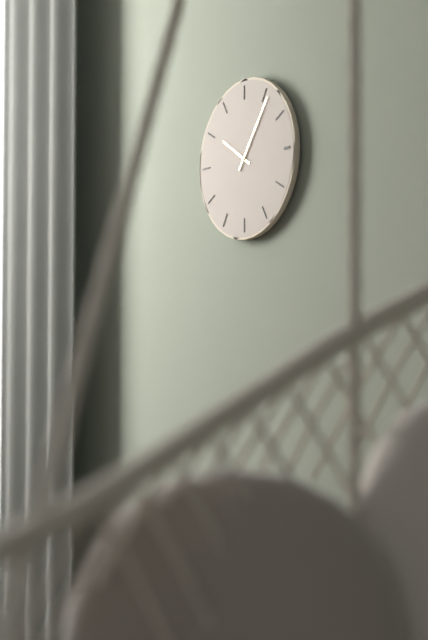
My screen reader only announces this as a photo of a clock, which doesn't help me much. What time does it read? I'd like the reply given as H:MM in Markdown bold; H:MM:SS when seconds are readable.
**10:06**
